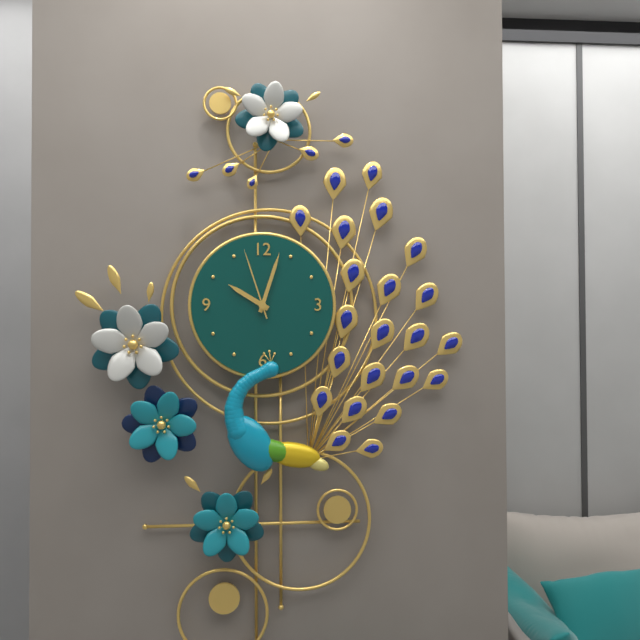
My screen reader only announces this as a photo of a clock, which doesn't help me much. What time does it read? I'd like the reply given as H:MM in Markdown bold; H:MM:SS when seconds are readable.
**10:03:57**
